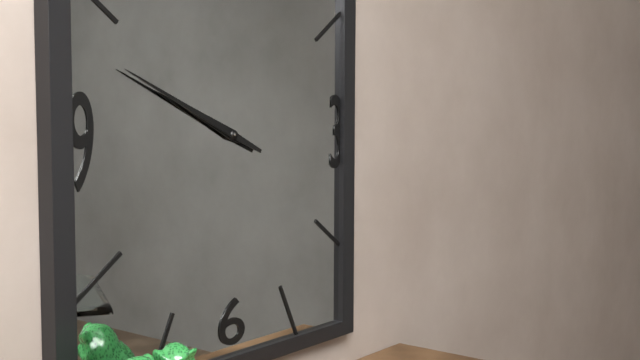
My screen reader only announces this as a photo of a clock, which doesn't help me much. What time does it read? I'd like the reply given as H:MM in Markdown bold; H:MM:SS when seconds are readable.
**9:49**
